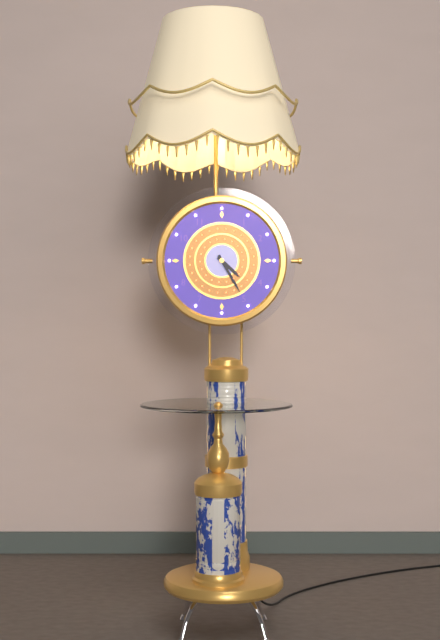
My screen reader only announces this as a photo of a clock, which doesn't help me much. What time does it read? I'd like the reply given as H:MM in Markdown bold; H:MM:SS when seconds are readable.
**4:25**
